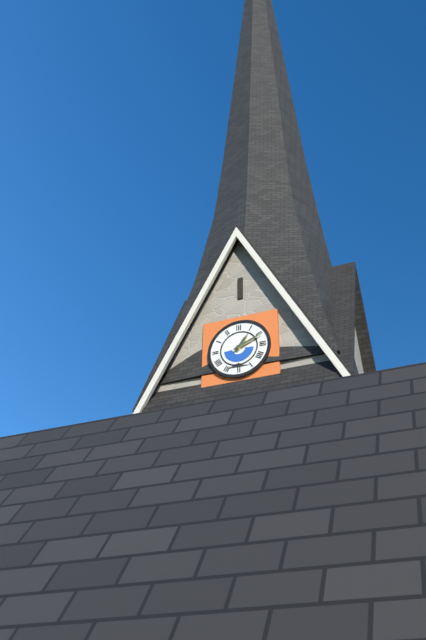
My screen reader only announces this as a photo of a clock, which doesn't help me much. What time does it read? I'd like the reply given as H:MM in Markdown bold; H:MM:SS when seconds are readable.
**1:11**
